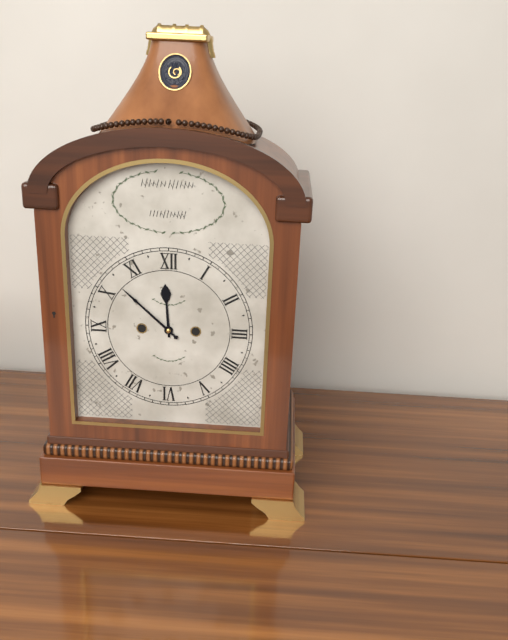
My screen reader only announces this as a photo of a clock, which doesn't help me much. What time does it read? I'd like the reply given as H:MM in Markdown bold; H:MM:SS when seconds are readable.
**11:52**
